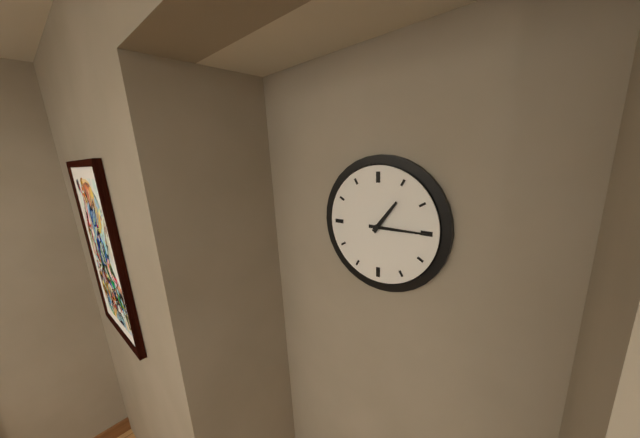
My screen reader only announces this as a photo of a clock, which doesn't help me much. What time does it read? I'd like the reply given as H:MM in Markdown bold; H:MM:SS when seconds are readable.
**1:15**
